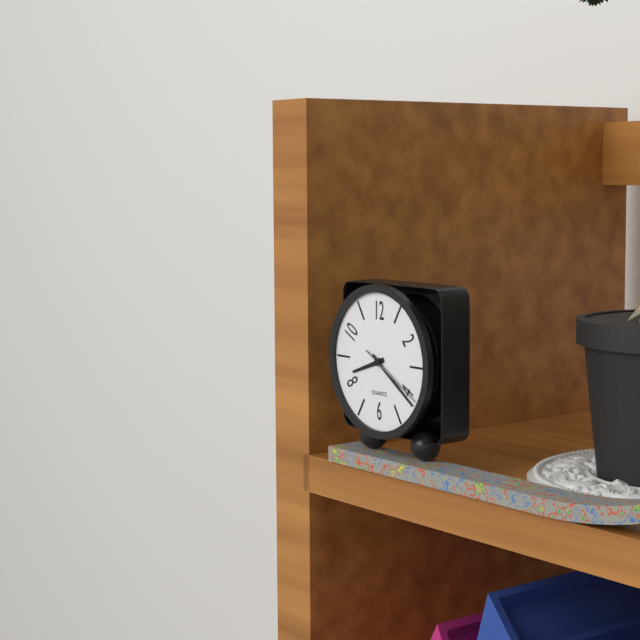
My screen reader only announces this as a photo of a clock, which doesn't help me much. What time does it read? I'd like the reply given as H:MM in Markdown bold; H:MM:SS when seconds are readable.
**8:21:20**
